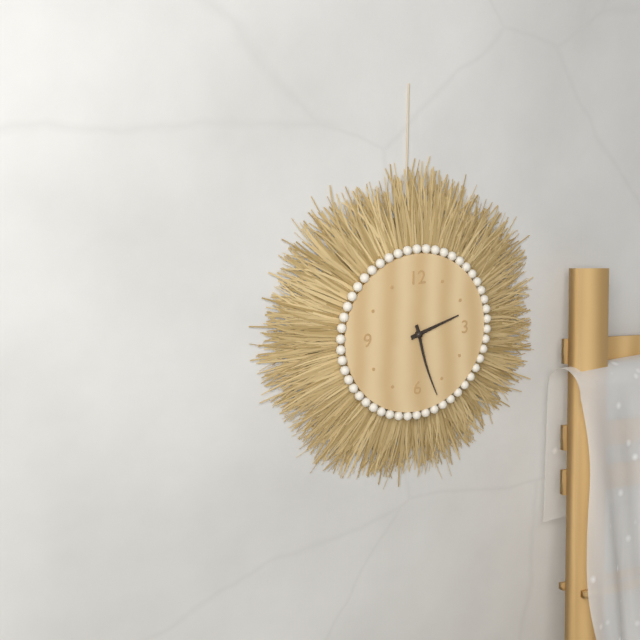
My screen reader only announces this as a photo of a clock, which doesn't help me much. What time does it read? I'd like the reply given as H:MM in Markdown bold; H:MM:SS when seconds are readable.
**2:27**
